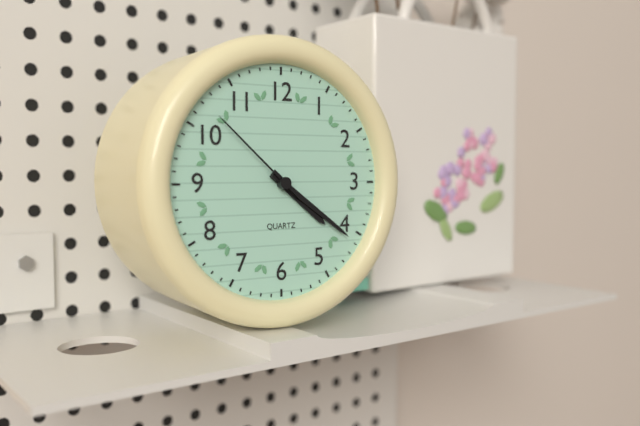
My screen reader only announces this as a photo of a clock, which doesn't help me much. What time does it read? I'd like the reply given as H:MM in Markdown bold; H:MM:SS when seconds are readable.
**4:21:52**
